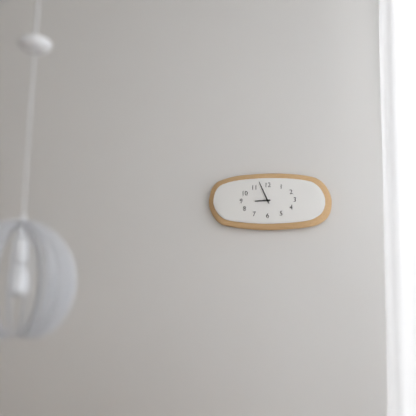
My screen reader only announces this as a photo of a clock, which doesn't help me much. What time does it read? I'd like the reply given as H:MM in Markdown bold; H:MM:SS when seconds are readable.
**8:56**
